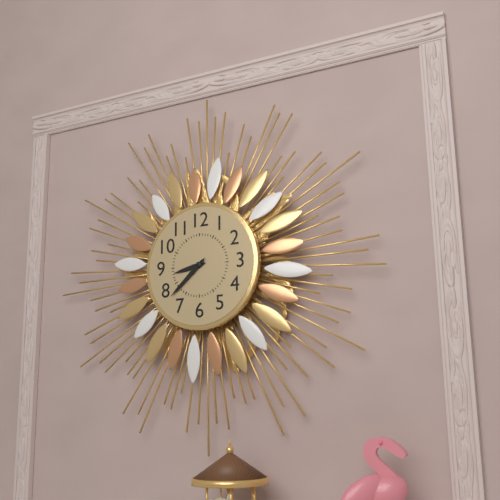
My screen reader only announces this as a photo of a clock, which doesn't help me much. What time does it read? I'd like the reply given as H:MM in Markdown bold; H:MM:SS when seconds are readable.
**8:38**
